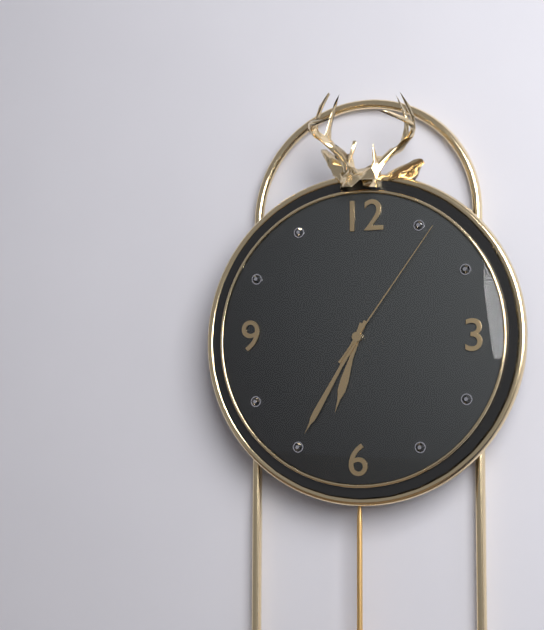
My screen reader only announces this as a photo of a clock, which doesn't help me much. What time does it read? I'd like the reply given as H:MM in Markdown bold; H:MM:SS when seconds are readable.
**6:35:06**
